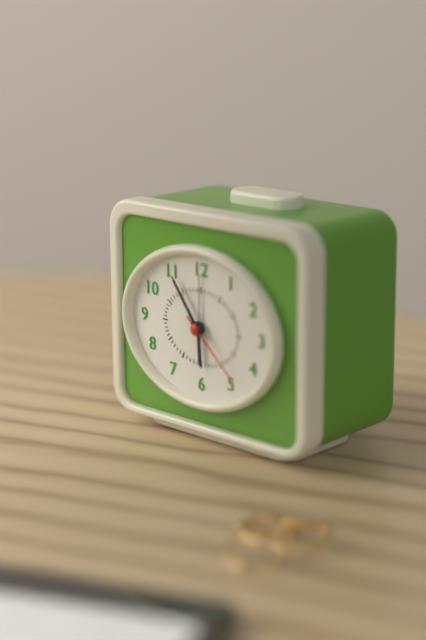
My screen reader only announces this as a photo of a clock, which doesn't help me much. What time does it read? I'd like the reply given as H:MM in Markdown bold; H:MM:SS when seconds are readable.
**5:54:22**
